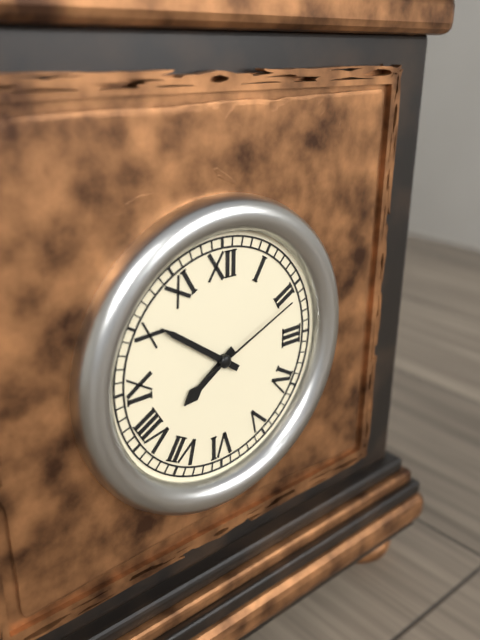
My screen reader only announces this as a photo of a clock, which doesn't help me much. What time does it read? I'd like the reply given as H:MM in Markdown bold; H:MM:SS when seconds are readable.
**7:51:11**
